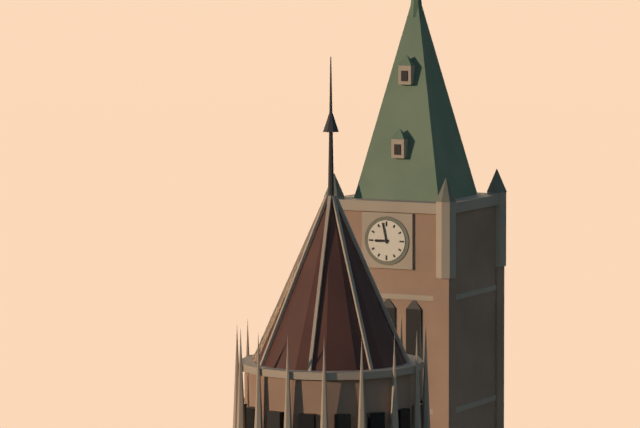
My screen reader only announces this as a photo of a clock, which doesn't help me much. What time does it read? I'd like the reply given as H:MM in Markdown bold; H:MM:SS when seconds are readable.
**8:58**
